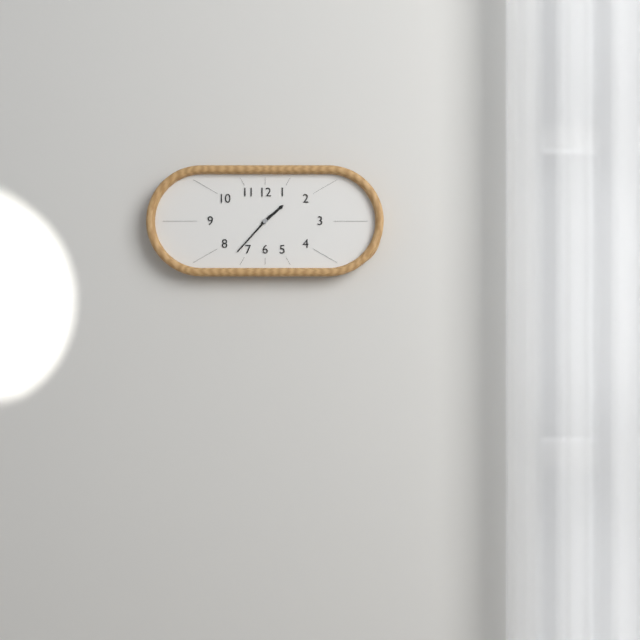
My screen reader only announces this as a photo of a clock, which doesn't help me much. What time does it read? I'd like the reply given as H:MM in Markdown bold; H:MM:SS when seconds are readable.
**1:37**
